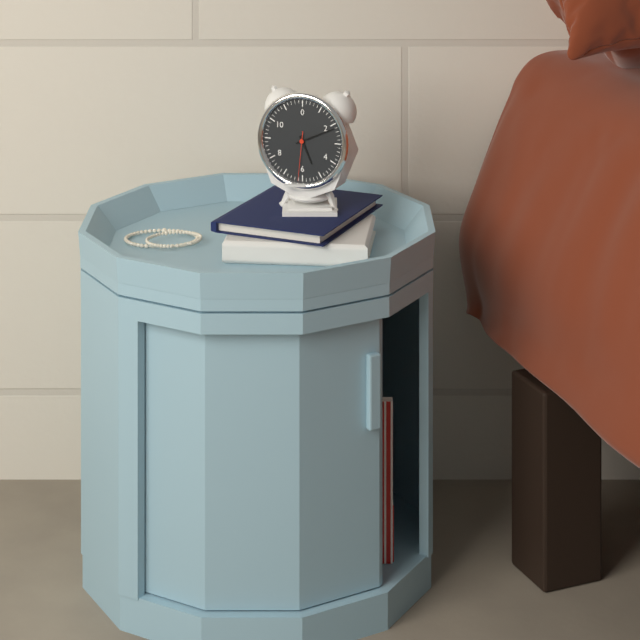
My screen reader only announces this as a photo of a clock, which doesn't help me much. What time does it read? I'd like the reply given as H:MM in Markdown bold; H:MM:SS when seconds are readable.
**5:11**
